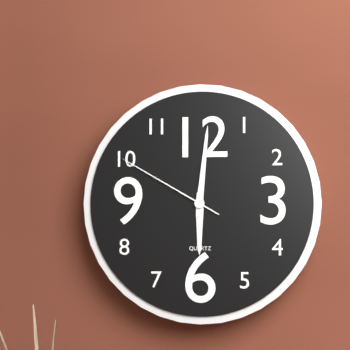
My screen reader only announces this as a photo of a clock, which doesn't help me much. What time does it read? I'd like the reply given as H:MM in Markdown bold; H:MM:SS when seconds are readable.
**6:01:50**
